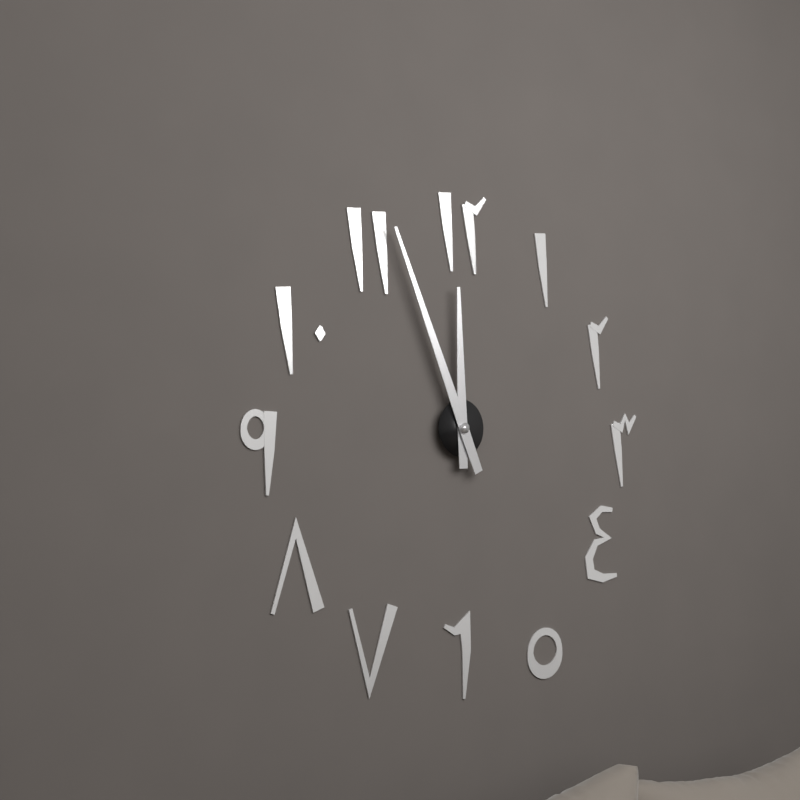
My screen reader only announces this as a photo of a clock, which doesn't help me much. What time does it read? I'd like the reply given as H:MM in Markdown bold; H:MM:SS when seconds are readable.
**11:56**
